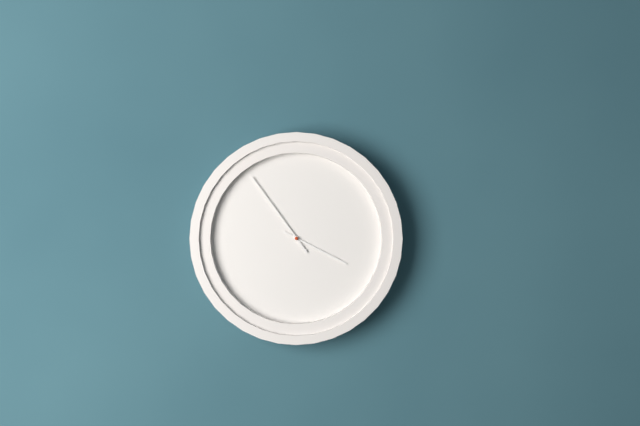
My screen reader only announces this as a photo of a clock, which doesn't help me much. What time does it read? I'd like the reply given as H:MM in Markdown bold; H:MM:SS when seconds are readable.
**3:54**
